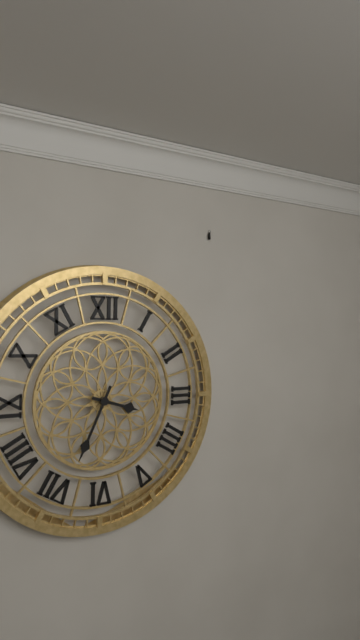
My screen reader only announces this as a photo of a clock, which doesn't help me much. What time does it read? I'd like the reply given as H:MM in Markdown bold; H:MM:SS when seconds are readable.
**3:34**
